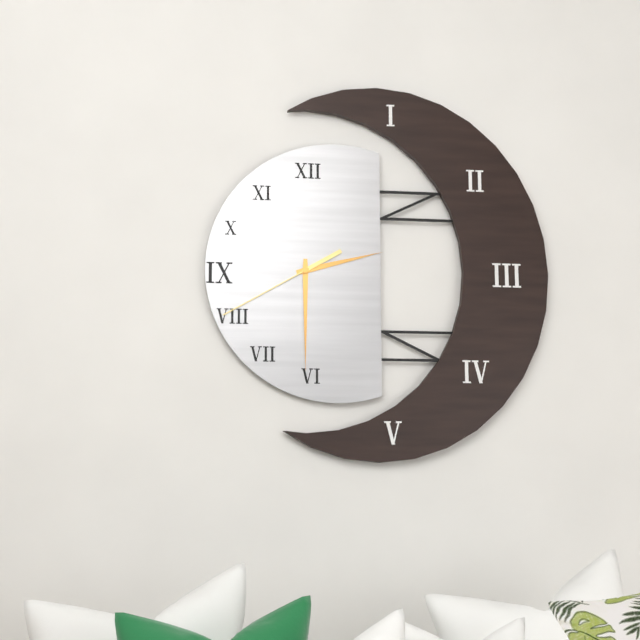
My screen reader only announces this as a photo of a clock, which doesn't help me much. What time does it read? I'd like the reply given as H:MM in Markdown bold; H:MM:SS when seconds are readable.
**2:30:40**
